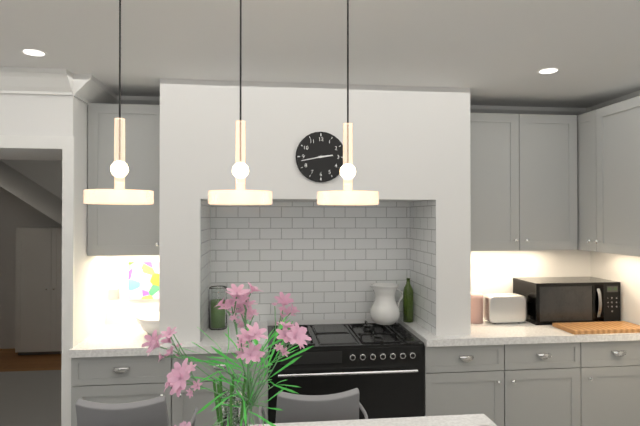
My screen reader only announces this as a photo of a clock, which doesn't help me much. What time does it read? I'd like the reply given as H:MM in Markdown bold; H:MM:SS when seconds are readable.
**2:43**
